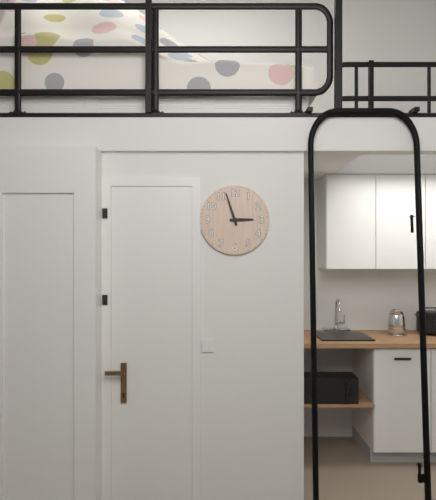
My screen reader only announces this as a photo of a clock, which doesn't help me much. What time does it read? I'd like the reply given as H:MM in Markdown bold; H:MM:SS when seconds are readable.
**2:57**
